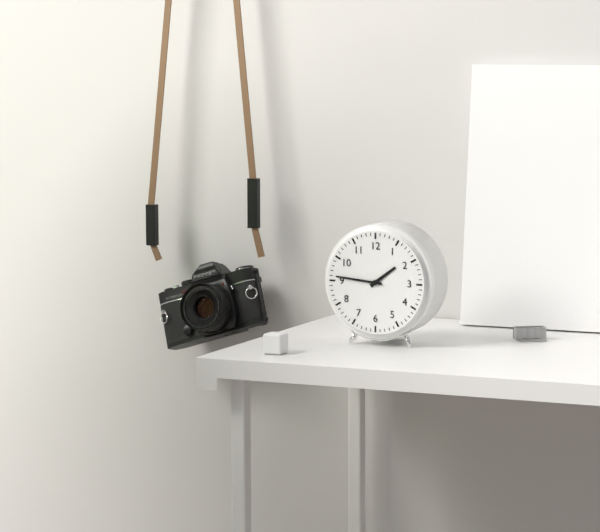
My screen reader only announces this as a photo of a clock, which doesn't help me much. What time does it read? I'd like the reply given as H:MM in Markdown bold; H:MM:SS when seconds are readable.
**1:46**
